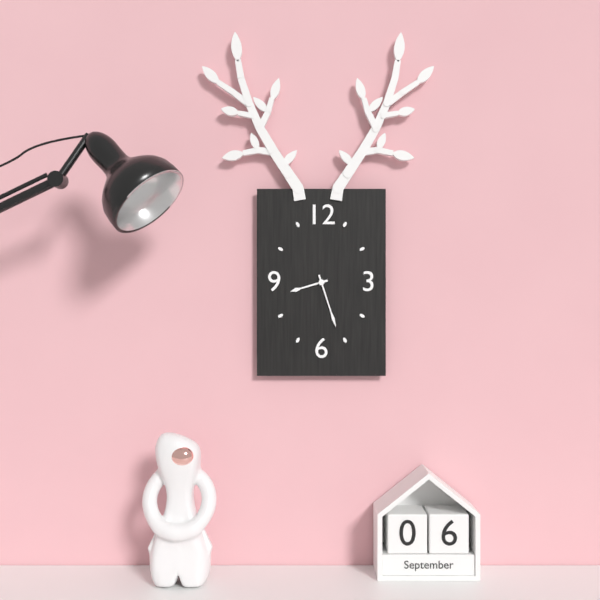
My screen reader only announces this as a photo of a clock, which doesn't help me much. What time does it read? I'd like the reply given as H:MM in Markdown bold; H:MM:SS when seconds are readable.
**8:27**
